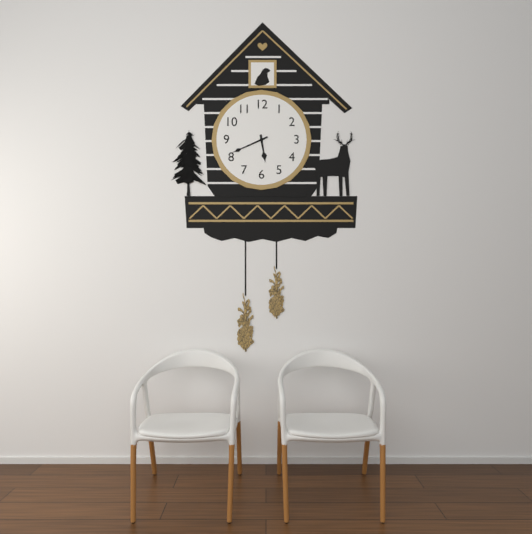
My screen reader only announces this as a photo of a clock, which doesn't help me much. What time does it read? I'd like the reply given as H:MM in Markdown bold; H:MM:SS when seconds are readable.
**5:41**
